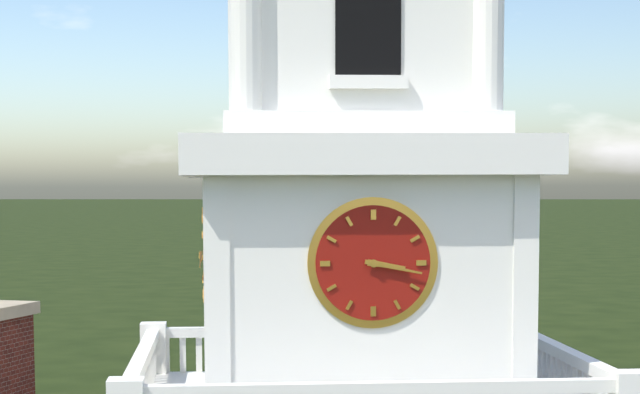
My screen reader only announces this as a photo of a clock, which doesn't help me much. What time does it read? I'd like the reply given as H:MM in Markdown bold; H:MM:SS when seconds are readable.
**3:17**
